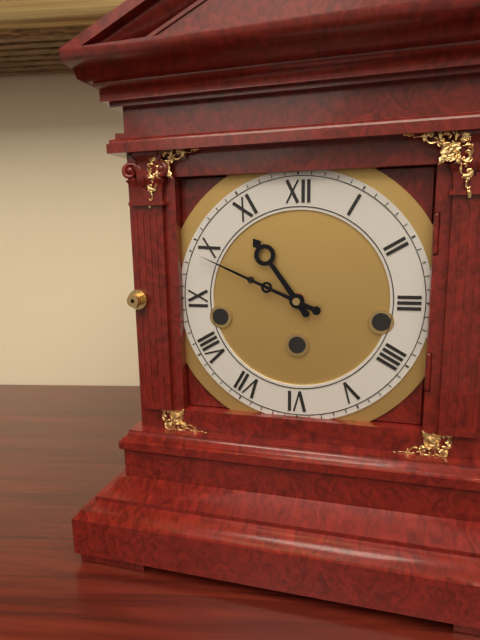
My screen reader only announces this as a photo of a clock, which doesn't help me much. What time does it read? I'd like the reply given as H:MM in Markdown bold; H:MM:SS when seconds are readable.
**10:49**
